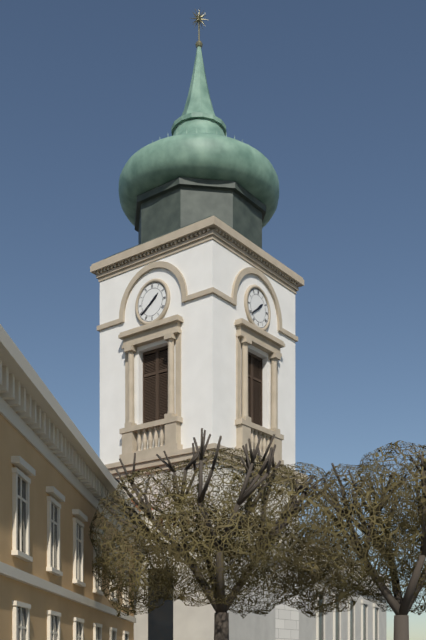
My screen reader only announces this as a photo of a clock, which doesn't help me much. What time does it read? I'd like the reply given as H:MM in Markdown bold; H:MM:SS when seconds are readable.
**1:39**
